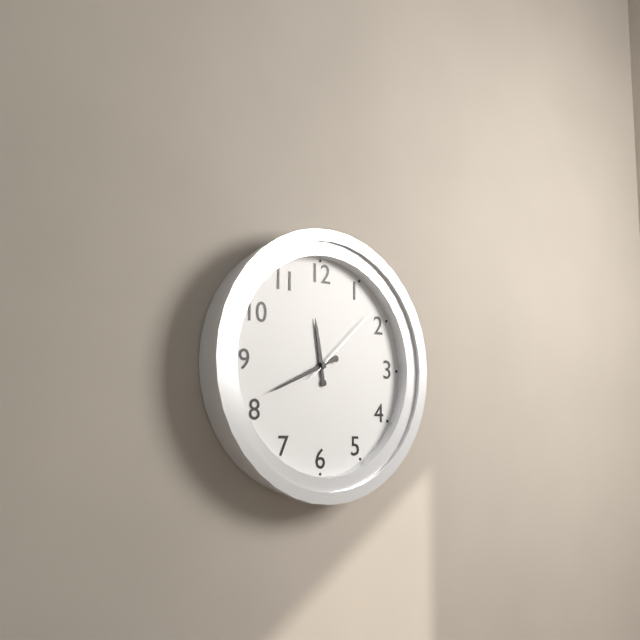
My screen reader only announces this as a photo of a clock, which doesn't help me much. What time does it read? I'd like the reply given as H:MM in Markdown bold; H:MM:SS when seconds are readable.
**11:41:08**
